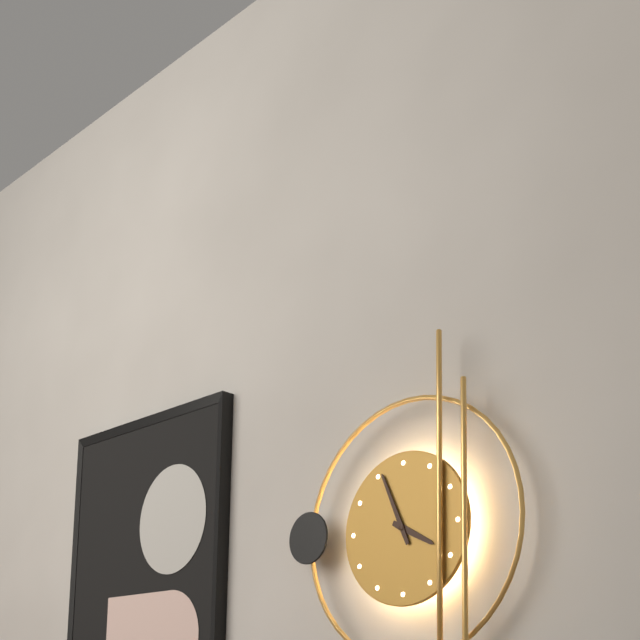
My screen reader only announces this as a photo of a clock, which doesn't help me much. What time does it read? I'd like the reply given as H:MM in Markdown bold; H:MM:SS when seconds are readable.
**3:56**
